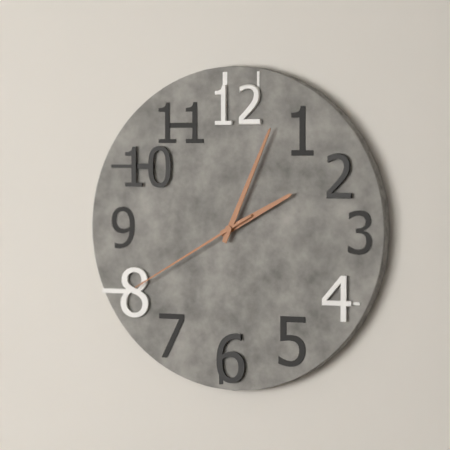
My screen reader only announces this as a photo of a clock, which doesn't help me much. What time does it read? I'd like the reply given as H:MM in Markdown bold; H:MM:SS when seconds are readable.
**2:04:40**
